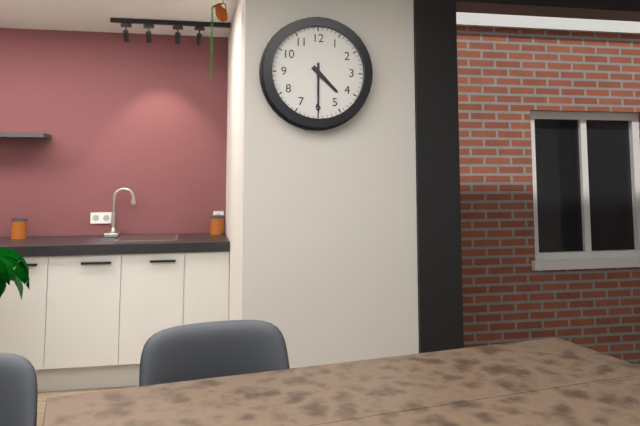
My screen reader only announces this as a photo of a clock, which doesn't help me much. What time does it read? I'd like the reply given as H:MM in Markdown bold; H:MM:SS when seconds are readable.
**4:30**
